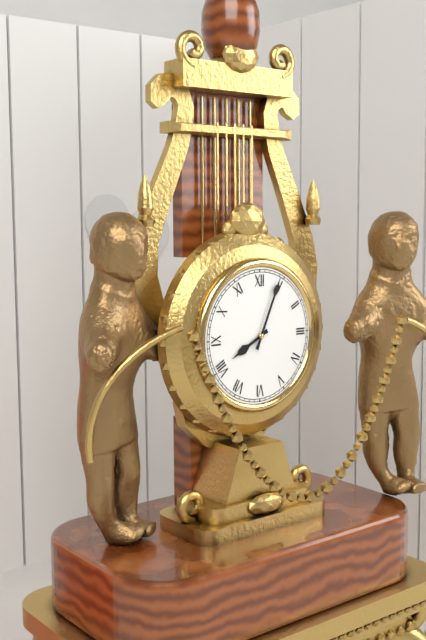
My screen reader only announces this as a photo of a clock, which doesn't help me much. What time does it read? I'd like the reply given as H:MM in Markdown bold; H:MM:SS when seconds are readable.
**8:04**
